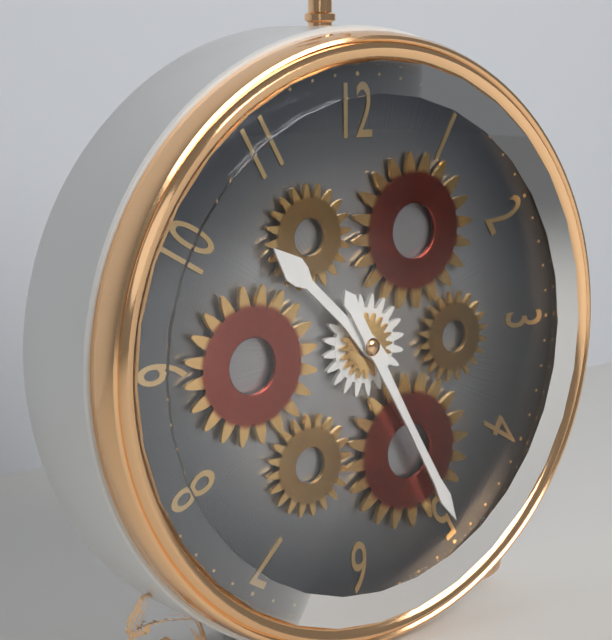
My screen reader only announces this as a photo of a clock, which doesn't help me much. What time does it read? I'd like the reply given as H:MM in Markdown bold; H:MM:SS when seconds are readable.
**10:25**
